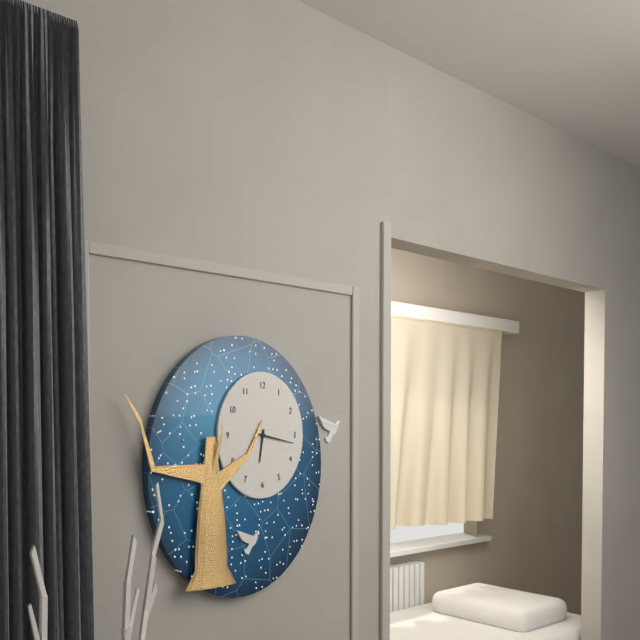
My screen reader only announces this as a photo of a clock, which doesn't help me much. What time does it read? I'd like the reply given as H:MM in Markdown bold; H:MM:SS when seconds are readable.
**6:17**
